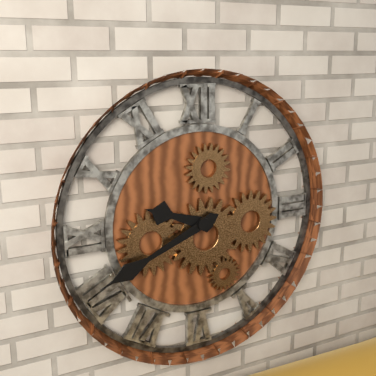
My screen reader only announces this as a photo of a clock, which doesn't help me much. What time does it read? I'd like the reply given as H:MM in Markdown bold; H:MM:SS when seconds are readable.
**9:41**
